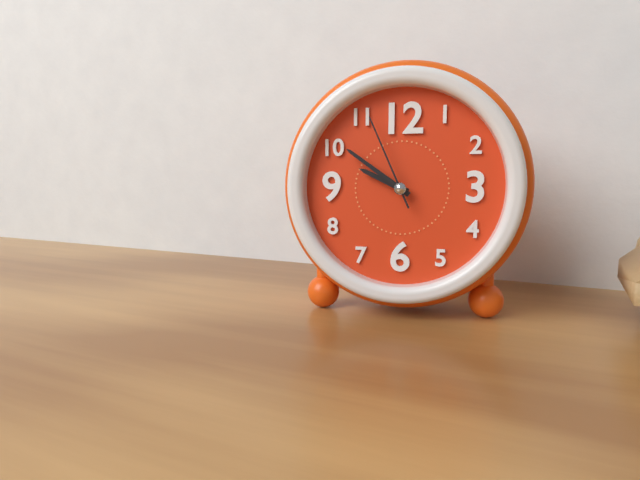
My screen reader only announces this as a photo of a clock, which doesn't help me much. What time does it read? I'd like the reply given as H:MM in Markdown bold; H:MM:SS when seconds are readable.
**9:51:56**
